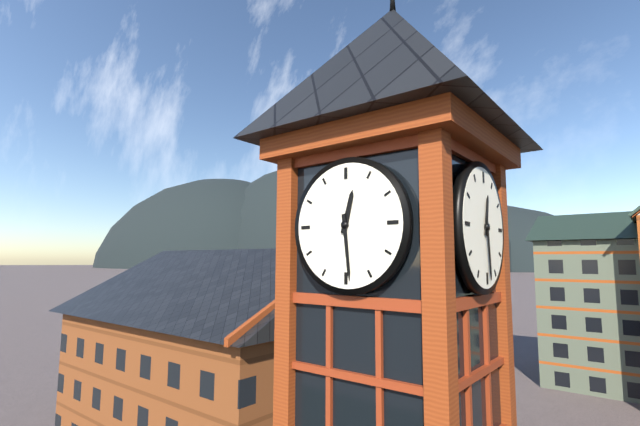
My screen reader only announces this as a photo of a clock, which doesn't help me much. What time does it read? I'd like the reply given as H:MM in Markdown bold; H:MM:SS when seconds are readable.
**12:29**
